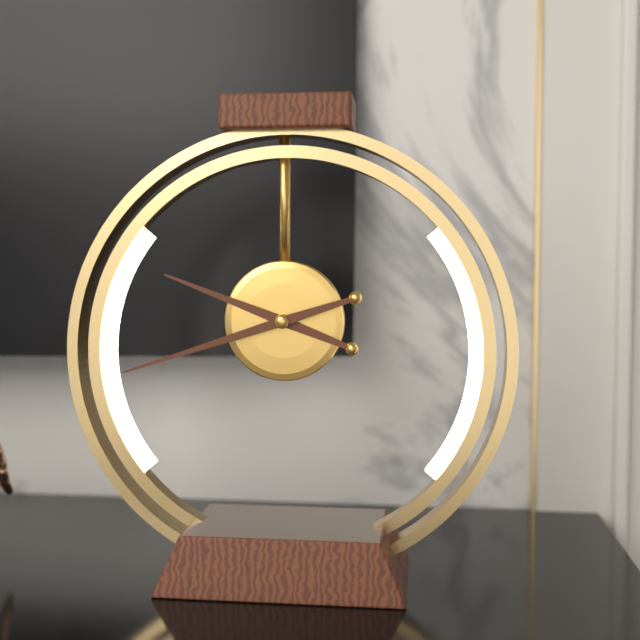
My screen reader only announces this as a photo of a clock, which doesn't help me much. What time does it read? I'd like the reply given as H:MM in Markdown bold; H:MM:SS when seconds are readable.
**9:42**
